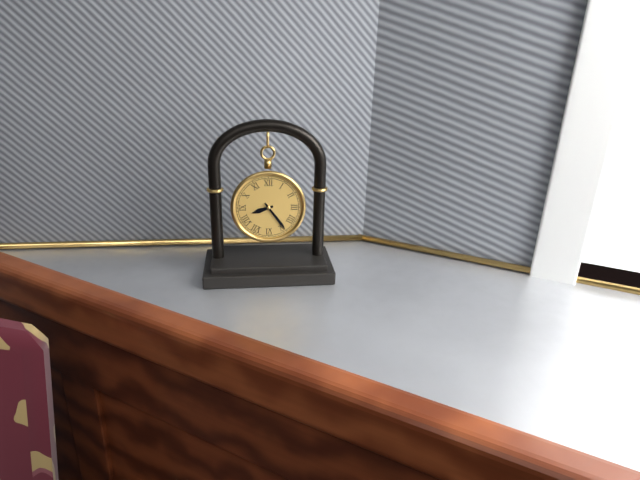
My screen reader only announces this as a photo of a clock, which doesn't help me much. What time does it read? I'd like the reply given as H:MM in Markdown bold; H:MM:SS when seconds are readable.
**8:24**
